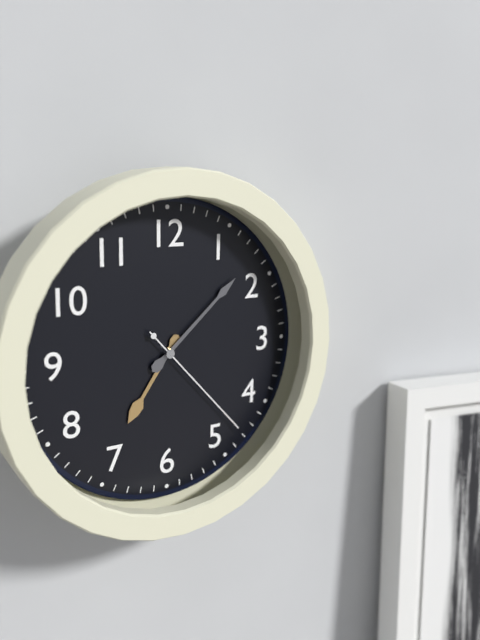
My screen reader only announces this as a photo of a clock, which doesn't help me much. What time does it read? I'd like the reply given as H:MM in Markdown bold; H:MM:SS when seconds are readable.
**7:08:23**
